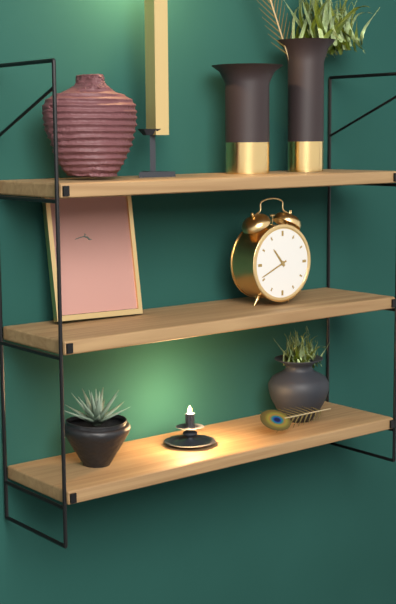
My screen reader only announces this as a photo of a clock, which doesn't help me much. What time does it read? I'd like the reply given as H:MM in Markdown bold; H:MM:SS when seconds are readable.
**10:41**
